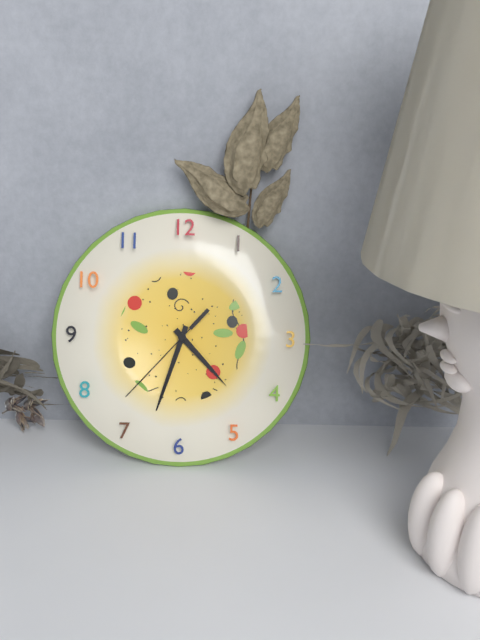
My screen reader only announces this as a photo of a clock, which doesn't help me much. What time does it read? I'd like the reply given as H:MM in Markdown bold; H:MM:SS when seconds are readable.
**4:33:37**
